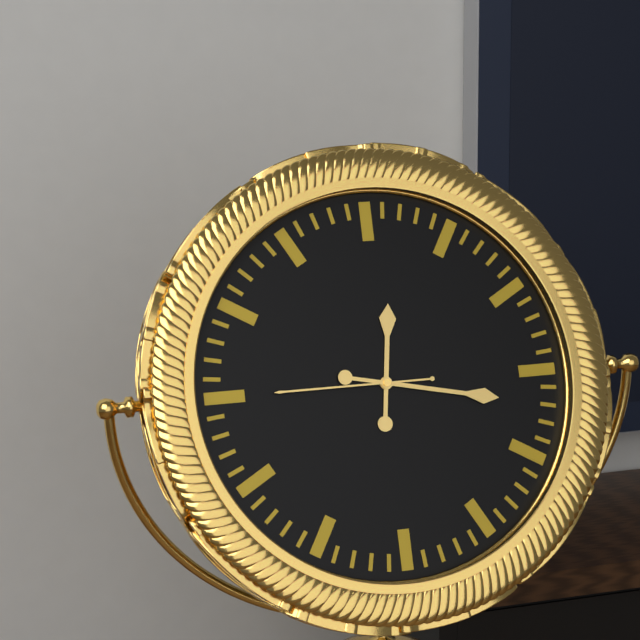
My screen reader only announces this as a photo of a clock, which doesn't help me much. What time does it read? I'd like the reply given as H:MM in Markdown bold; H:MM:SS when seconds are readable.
**12:17:45**
